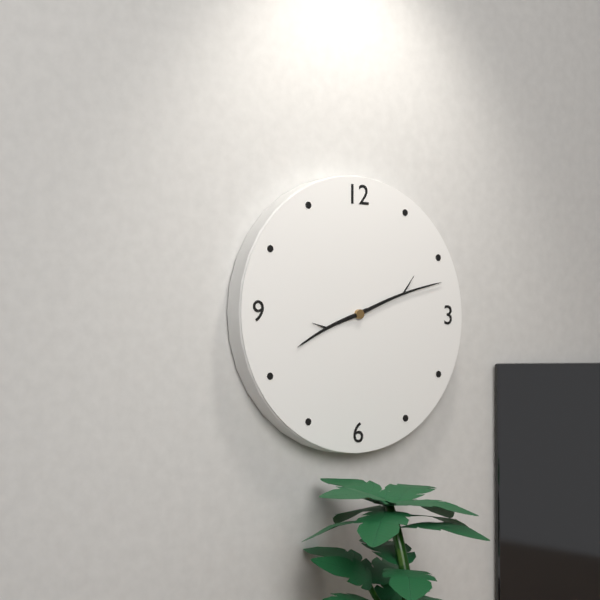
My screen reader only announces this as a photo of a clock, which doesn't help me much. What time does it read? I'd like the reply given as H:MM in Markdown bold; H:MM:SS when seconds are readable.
**8:12**
